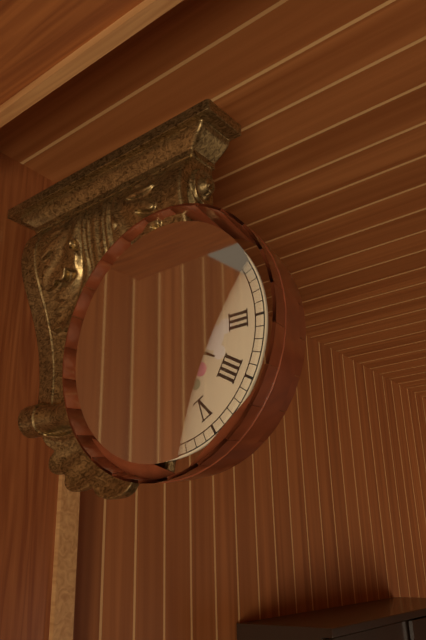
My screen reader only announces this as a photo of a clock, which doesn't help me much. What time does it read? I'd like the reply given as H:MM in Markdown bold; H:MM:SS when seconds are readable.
**3:52**
